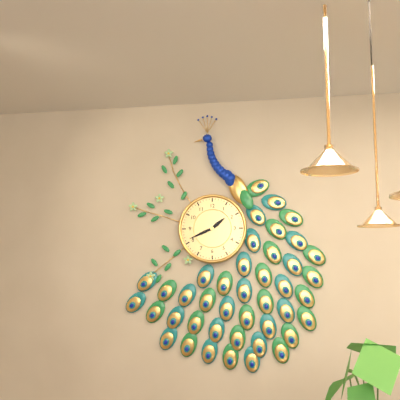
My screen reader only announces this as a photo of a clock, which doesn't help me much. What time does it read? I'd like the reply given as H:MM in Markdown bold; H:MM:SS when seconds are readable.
**1:41**
